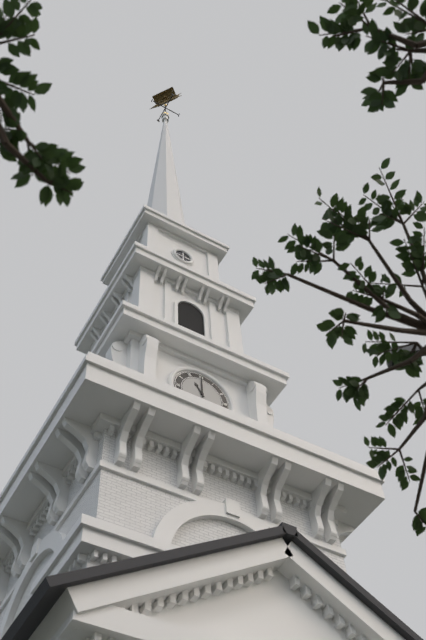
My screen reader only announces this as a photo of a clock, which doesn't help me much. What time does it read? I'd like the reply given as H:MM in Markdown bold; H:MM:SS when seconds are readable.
**11:00**
